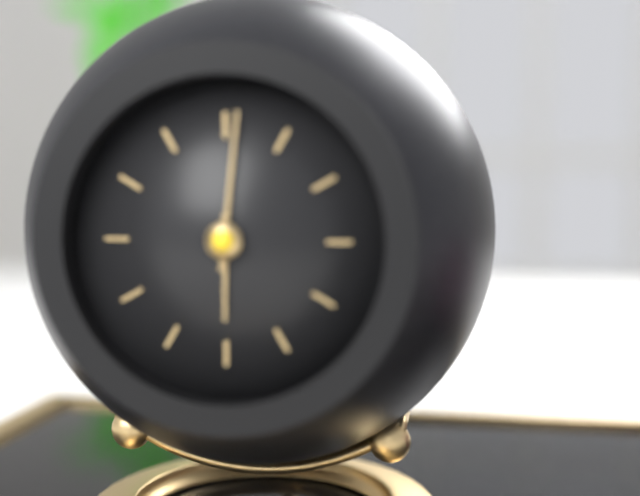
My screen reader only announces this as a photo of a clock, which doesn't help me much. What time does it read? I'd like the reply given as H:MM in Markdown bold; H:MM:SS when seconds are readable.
**6:01**
